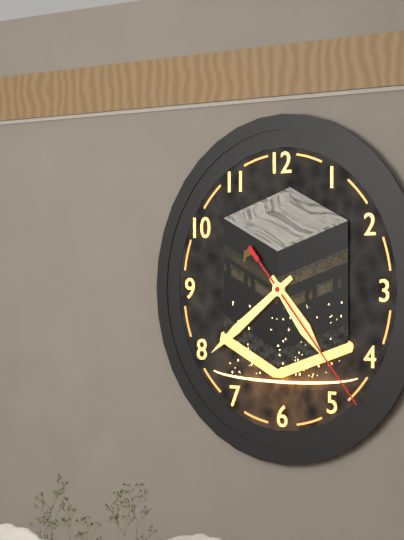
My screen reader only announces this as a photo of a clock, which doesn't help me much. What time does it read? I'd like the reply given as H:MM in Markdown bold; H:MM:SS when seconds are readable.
**4:39:23**
